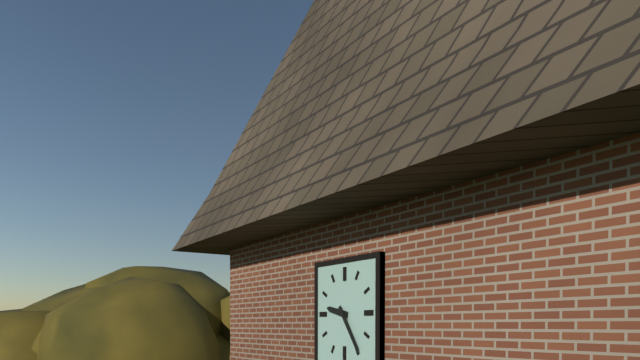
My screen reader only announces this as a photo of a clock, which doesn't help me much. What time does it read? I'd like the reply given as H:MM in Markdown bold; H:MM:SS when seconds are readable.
**9:24**
